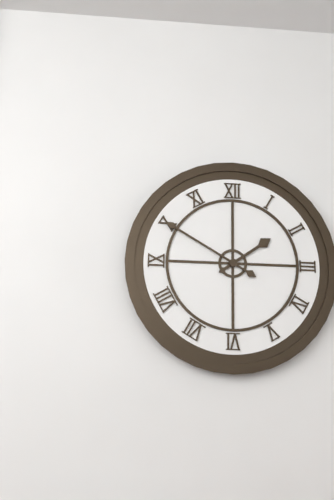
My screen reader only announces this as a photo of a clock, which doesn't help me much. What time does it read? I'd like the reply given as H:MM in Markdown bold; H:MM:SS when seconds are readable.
**1:50**
